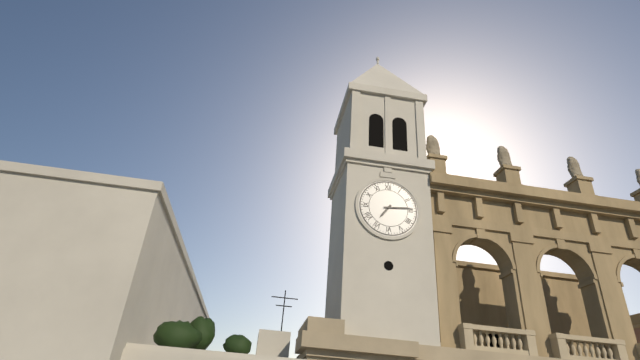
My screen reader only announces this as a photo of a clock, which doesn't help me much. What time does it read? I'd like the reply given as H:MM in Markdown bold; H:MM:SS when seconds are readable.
**7:14**
